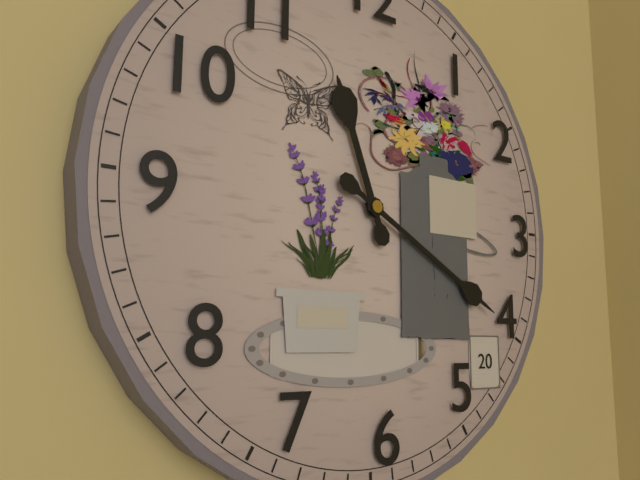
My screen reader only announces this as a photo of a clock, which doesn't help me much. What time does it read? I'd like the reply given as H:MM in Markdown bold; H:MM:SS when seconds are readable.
**11:20**
